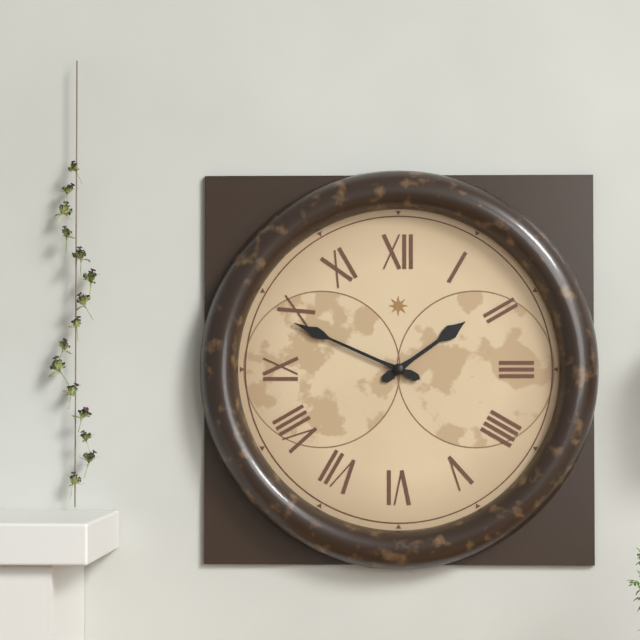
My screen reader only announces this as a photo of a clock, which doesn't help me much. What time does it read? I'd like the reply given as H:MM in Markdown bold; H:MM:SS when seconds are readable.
**1:49**
